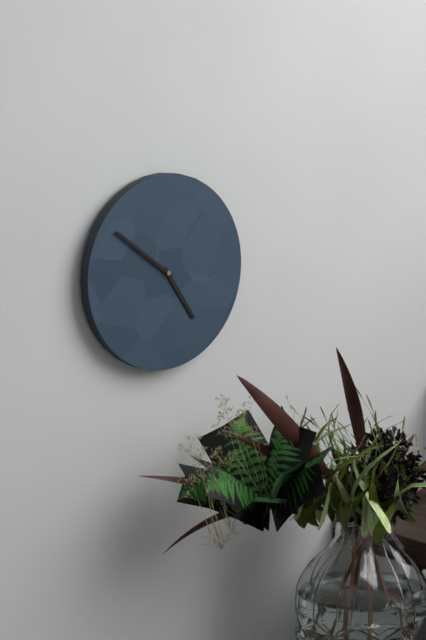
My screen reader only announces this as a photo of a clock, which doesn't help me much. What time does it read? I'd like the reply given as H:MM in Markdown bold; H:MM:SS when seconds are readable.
**4:51**
